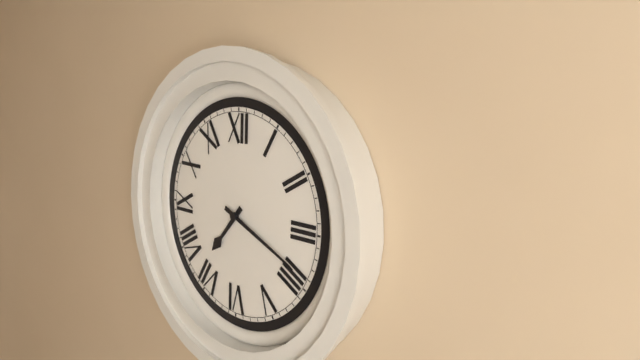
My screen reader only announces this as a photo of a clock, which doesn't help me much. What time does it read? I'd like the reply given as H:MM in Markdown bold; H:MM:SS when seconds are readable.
**7:19**
